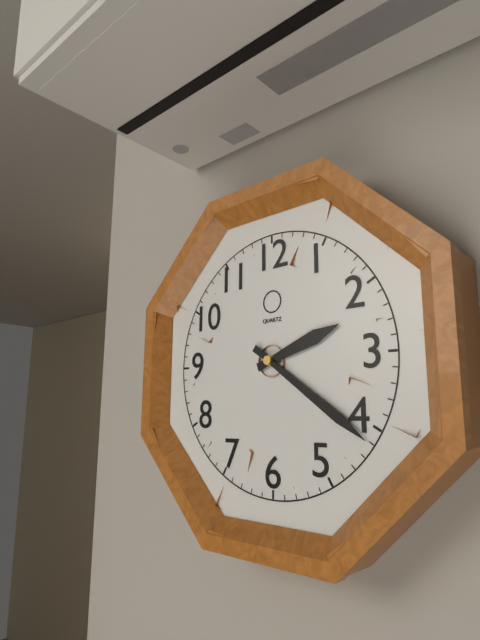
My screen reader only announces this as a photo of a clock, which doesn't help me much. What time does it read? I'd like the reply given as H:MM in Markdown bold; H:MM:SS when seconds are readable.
**2:21**
